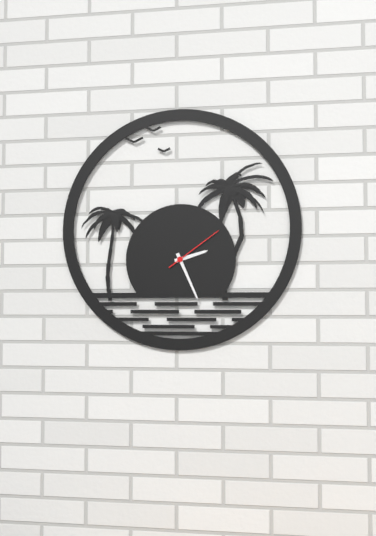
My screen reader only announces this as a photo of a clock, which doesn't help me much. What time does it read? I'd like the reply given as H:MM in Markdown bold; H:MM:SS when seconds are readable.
**2:26:09**
